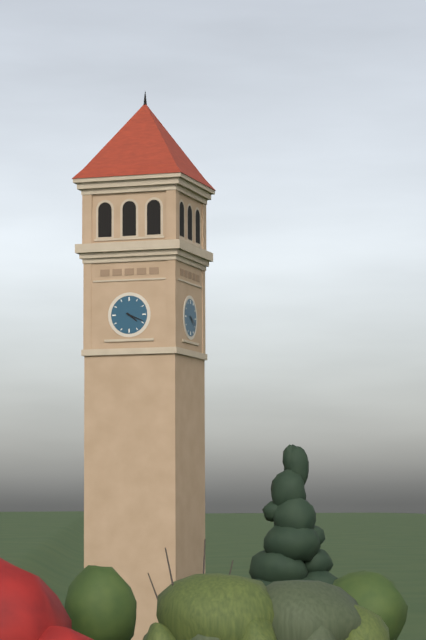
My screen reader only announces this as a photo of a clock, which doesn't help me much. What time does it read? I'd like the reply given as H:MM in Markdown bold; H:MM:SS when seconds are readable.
**4:19**
